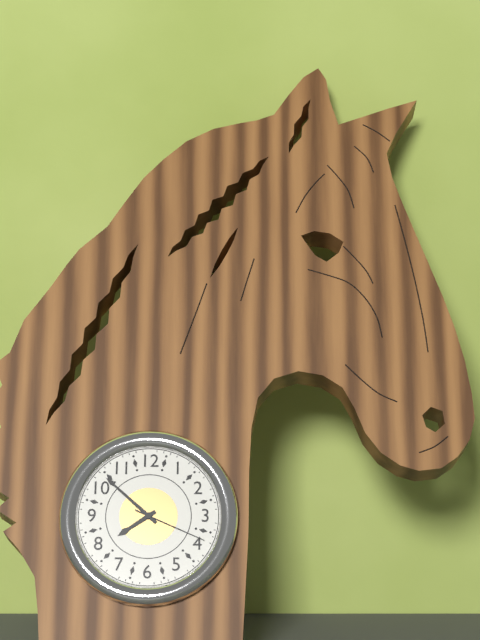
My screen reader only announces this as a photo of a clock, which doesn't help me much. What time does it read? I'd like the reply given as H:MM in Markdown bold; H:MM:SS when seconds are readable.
**7:52:19**
